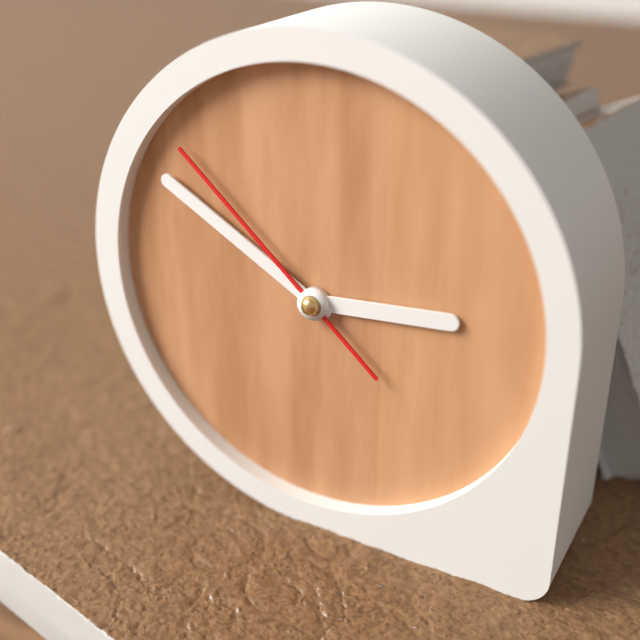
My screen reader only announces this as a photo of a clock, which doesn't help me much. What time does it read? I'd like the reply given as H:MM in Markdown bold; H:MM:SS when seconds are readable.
**2:50:52**
